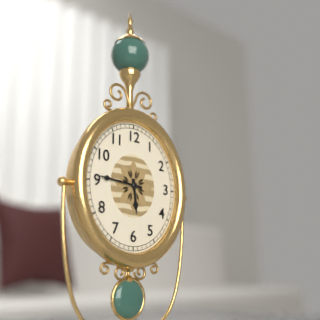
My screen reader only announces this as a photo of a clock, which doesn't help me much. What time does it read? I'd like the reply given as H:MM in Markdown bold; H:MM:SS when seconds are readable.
**5:46**
